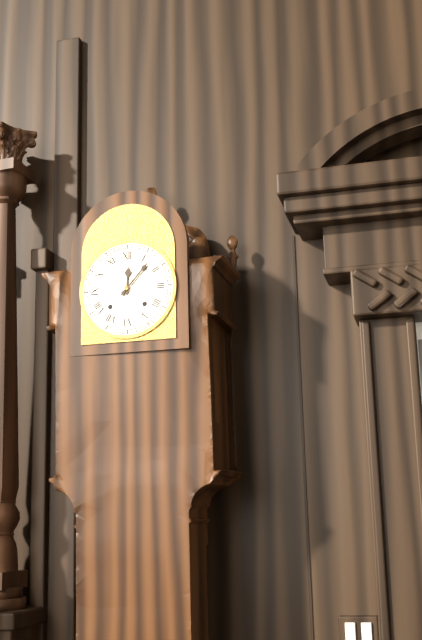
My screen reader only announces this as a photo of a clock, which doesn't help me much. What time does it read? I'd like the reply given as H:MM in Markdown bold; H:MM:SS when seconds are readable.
**12:07**
